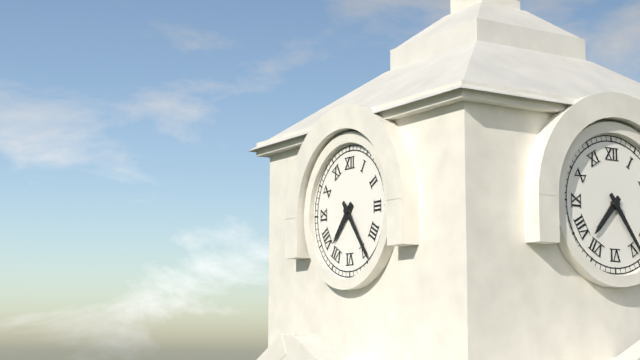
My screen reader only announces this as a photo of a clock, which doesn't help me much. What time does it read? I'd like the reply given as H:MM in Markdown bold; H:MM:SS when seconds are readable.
**7:24**
